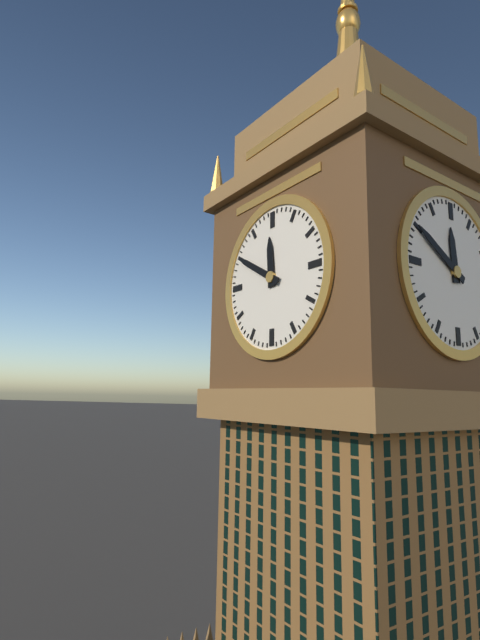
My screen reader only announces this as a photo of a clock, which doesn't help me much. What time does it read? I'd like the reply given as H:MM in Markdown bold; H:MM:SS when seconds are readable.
**11:50**
